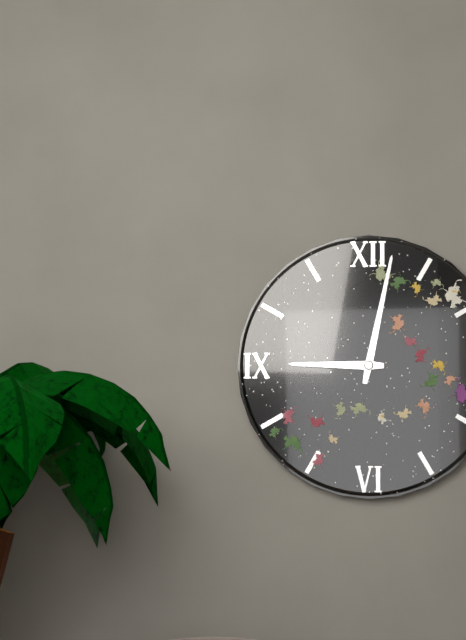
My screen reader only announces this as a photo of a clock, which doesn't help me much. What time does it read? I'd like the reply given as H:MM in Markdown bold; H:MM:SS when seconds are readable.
**9:02**
